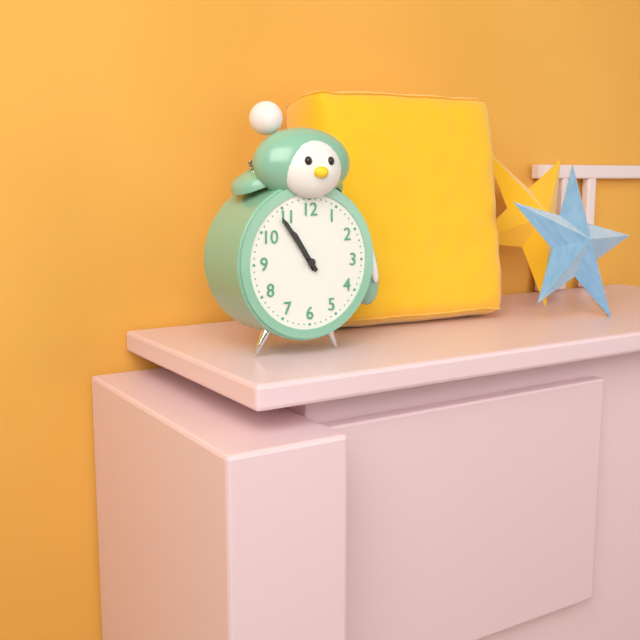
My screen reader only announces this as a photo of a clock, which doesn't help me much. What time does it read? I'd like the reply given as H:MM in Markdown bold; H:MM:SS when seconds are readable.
**10:54**
